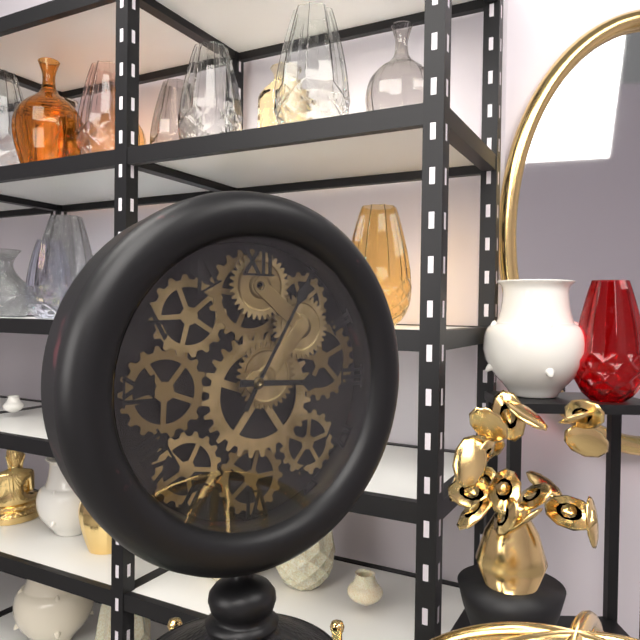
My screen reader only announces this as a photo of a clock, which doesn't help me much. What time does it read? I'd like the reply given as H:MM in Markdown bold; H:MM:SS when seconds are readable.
**3:05**
